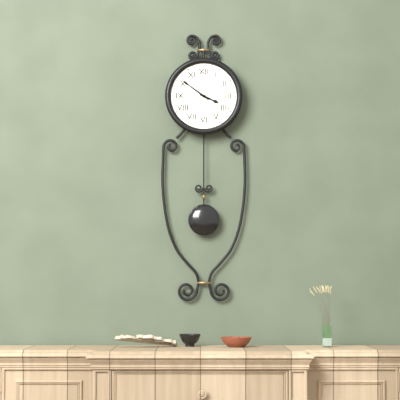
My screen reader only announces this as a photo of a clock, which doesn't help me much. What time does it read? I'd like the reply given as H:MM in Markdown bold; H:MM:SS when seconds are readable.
**3:51**
